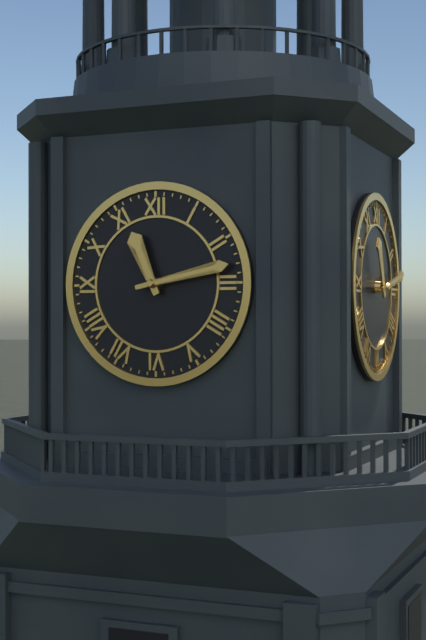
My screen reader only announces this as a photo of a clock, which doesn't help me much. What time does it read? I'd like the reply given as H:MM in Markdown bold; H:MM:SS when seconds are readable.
**11:13**
